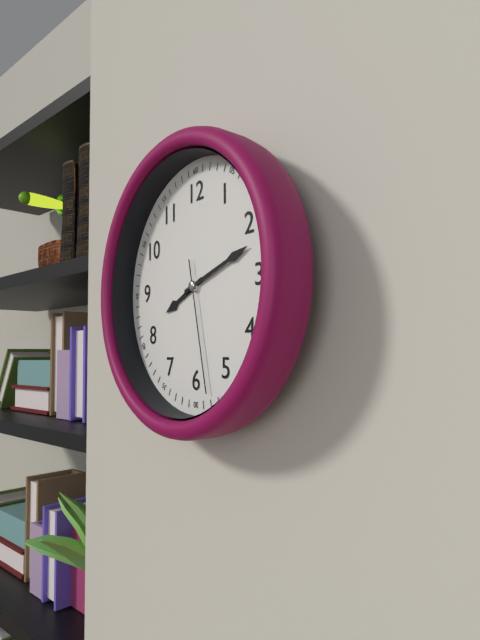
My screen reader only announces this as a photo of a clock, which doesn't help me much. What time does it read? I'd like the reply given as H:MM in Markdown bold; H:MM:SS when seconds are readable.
**8:12:28**
